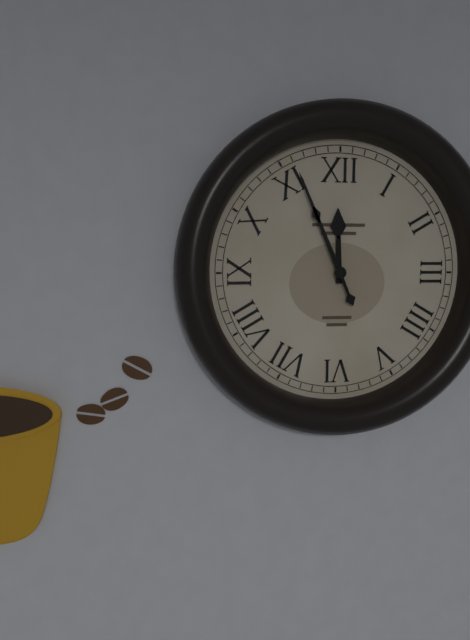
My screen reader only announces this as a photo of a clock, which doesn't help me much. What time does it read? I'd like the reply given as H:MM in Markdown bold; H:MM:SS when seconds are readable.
**11:56**
